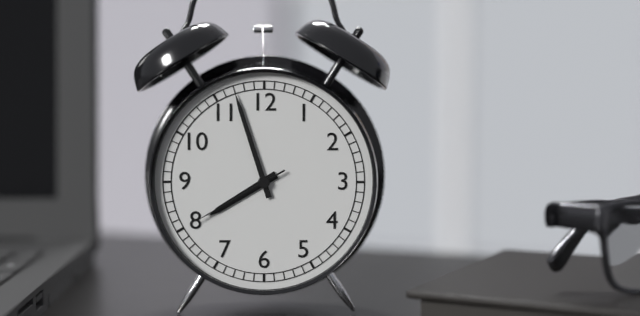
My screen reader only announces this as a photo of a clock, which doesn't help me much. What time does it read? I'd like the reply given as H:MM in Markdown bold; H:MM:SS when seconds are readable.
**7:57:40**
